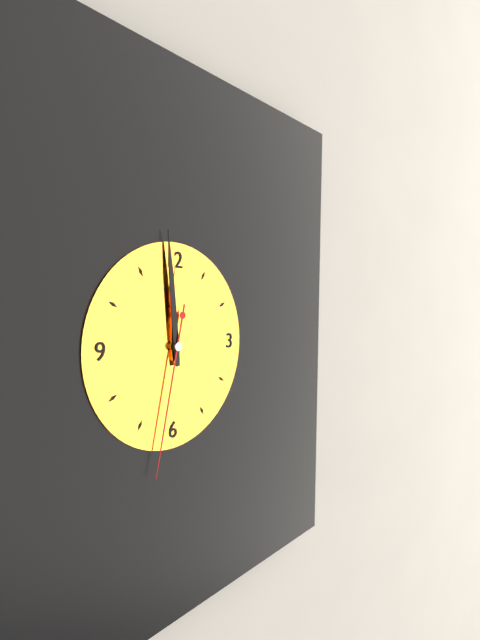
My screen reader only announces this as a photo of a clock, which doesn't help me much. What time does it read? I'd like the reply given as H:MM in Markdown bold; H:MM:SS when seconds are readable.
**11:59:32**
